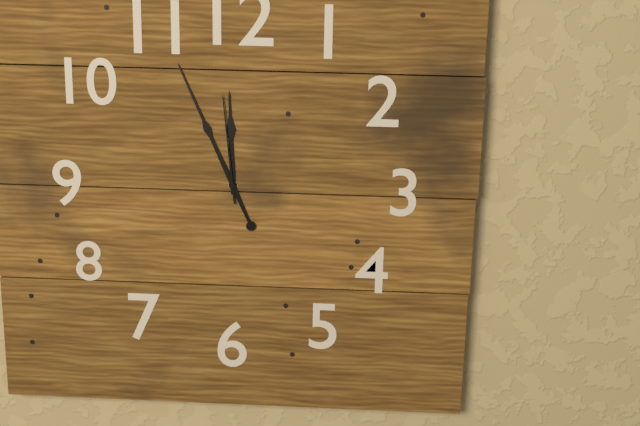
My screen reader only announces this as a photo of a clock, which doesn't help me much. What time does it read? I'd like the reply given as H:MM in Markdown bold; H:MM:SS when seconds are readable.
**11:56:59**
